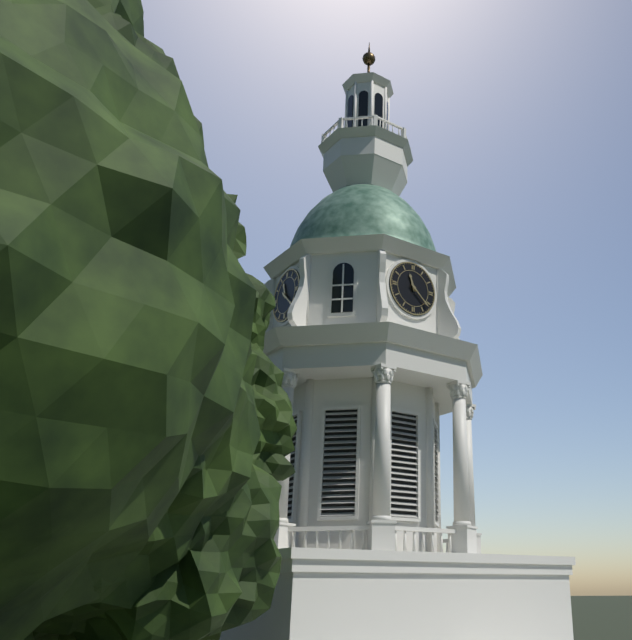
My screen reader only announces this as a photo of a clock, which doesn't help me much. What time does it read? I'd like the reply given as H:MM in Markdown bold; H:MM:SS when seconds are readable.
**11:22**
